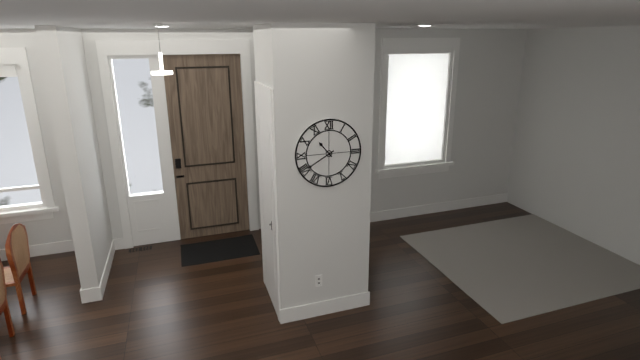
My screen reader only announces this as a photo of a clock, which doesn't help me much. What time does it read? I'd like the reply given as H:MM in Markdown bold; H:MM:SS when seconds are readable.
**10:40**
